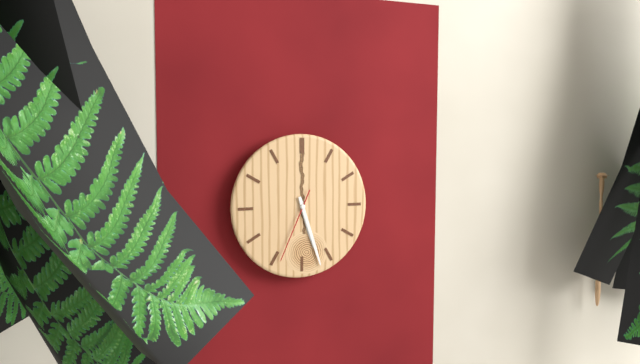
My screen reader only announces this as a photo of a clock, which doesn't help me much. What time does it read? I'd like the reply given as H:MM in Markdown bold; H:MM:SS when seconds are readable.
**5:27:34**
